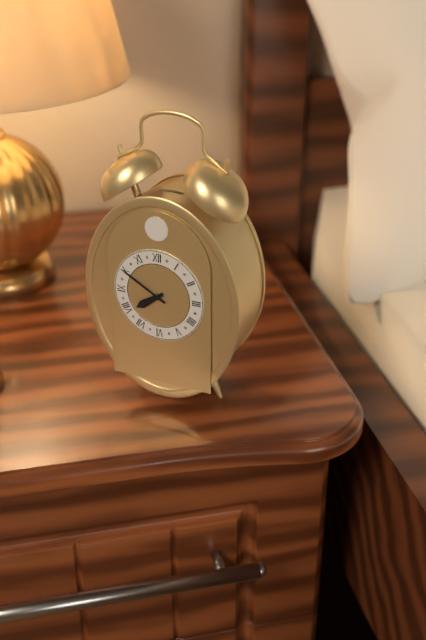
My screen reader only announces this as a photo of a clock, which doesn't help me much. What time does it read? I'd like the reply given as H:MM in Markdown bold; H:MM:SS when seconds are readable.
**7:50**
